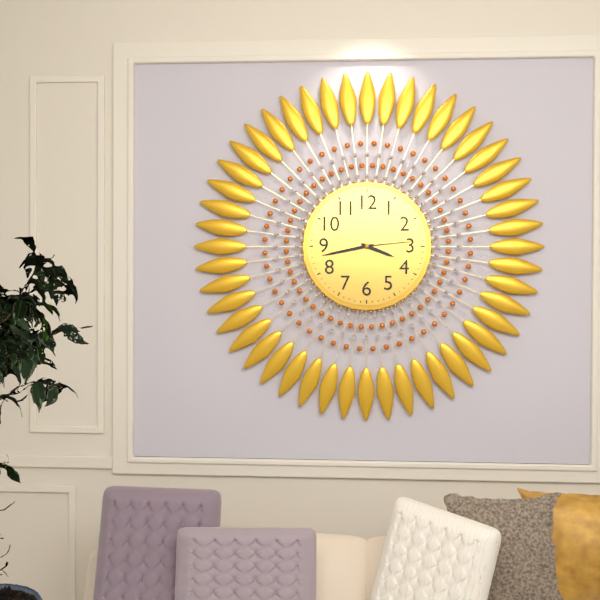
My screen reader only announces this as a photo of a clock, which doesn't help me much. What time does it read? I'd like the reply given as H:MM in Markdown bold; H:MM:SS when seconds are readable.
**3:43:14**
